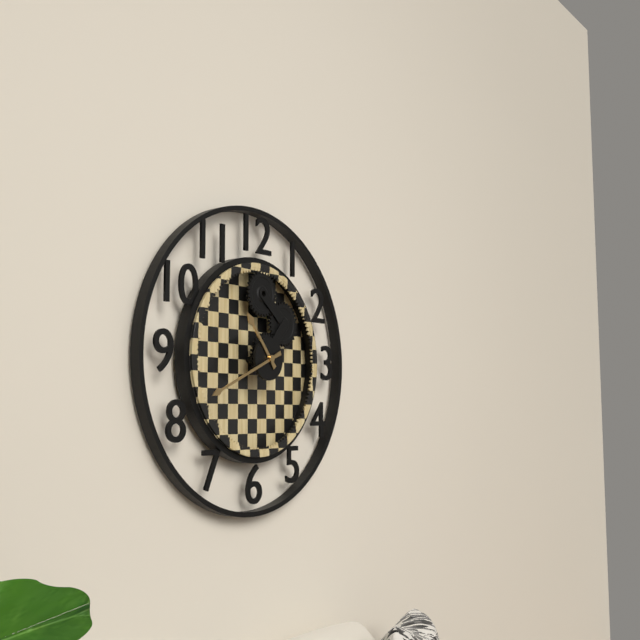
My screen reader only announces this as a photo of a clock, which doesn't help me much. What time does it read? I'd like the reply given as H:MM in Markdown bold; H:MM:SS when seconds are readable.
**10:41**
